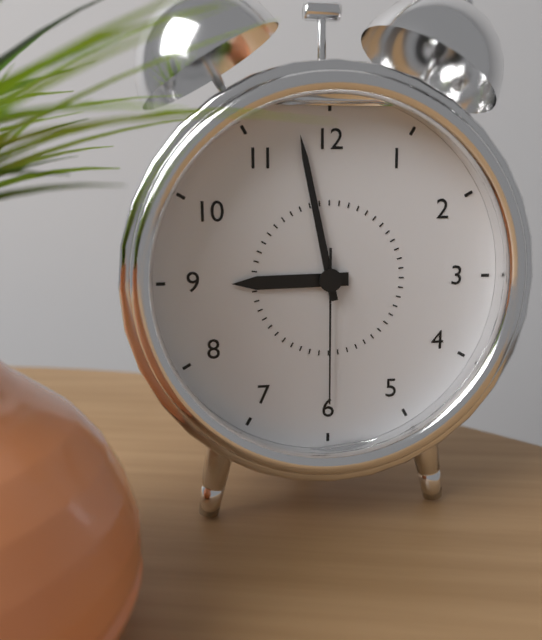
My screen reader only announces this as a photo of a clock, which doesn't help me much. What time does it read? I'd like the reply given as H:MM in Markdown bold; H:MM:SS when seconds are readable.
**8:58:30**
